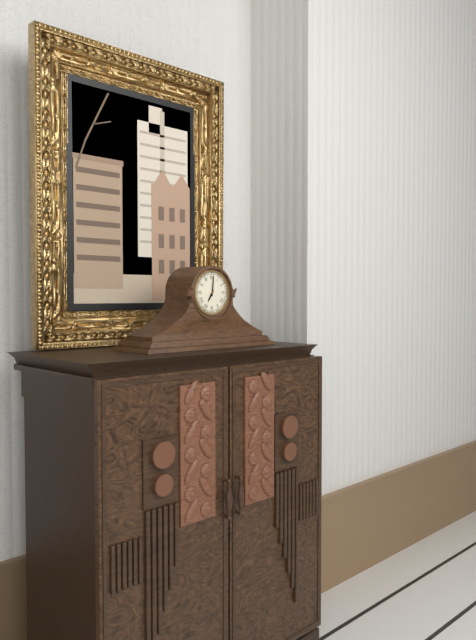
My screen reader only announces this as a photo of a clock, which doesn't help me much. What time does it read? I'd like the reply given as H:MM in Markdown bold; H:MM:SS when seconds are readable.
**7:01**
